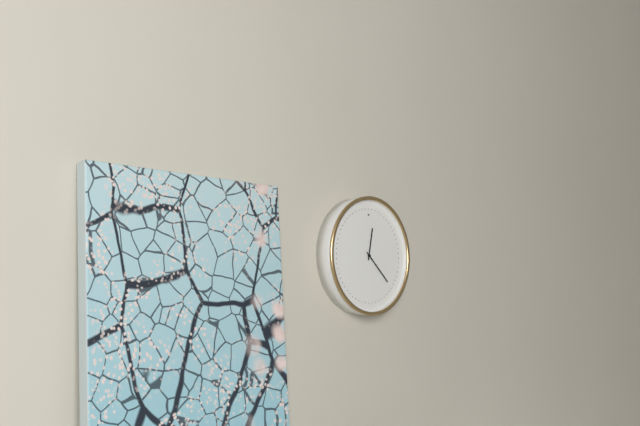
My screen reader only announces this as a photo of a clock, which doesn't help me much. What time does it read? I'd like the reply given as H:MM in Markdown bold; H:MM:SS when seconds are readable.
**12:22**
